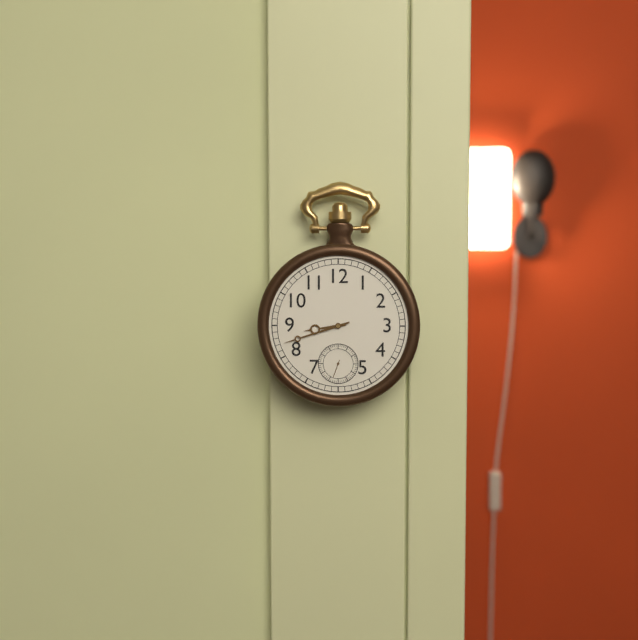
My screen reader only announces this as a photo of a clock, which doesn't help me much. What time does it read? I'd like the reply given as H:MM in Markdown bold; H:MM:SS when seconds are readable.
**8:42**
